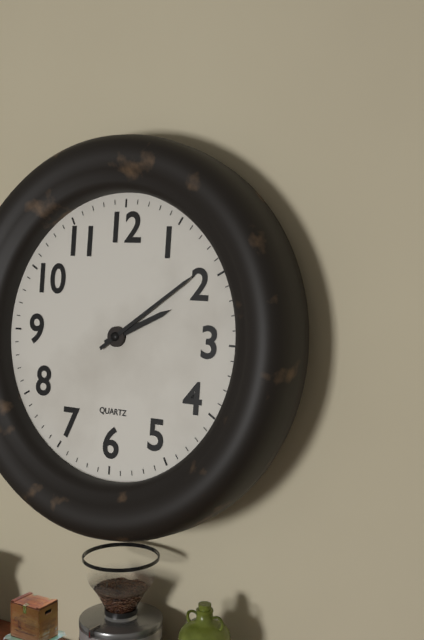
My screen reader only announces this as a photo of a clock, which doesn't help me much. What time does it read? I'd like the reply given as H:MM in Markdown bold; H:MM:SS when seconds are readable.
**2:09**
